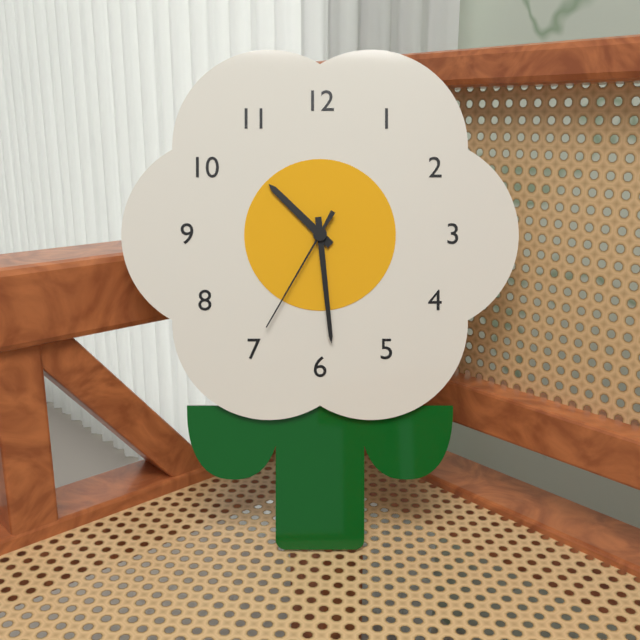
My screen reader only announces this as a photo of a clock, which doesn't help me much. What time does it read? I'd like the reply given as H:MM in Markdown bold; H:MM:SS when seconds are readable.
**10:29:35**
